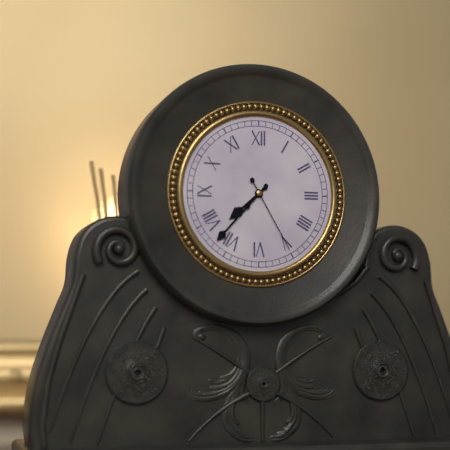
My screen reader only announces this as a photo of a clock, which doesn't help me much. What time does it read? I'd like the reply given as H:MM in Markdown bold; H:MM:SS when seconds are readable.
**7:37:25**
